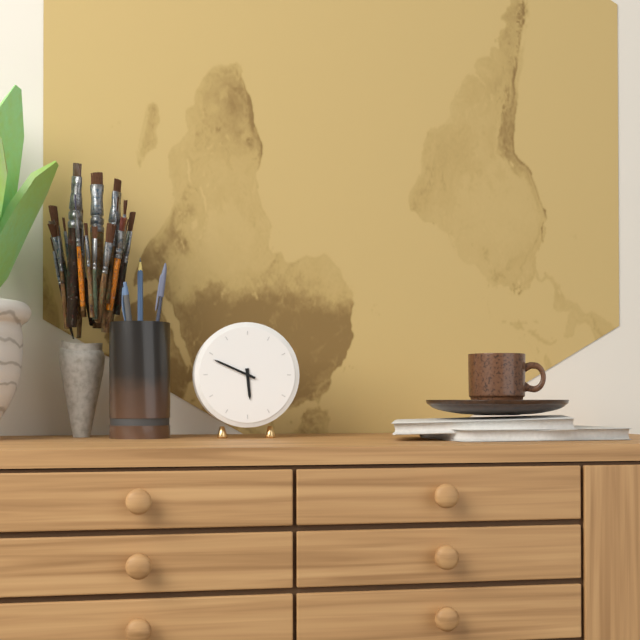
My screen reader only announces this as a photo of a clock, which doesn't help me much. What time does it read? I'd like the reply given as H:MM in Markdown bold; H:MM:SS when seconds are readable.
**5:49**
